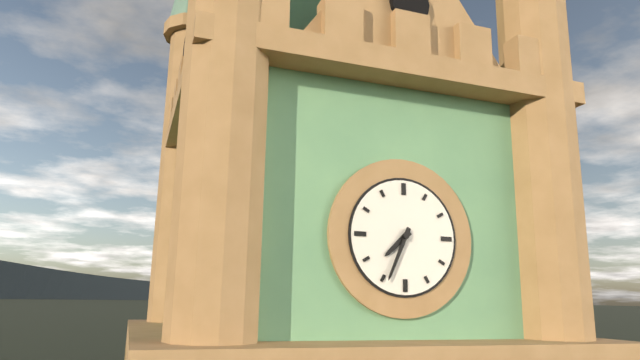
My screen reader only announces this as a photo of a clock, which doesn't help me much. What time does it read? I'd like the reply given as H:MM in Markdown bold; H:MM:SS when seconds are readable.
**7:34**
